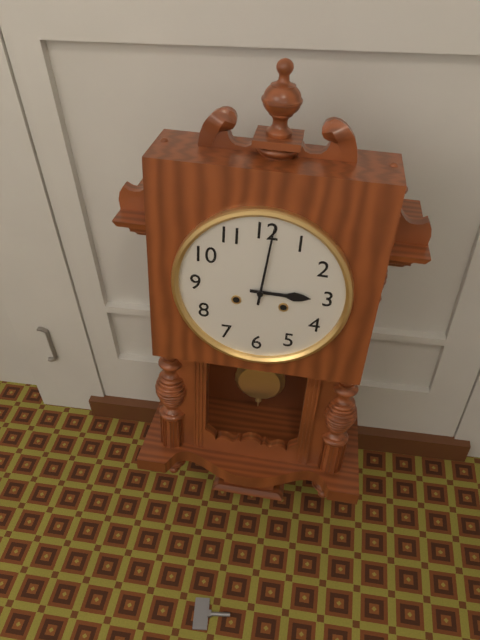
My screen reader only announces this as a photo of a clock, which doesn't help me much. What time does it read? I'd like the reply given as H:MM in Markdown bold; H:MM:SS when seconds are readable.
**3:01**
